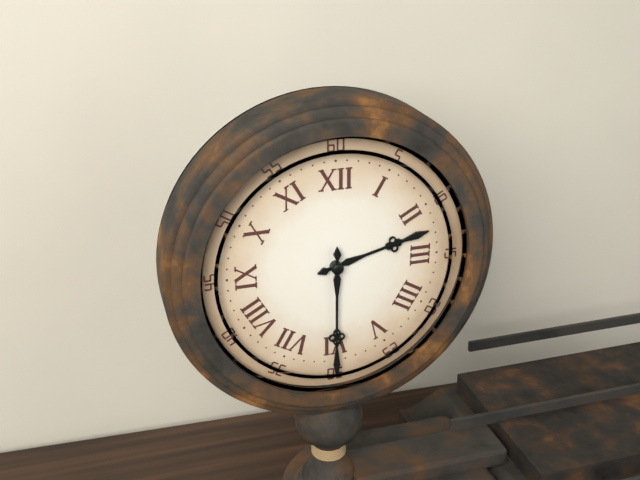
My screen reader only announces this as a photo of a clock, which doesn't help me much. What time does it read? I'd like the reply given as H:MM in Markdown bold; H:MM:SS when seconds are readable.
**2:30**
